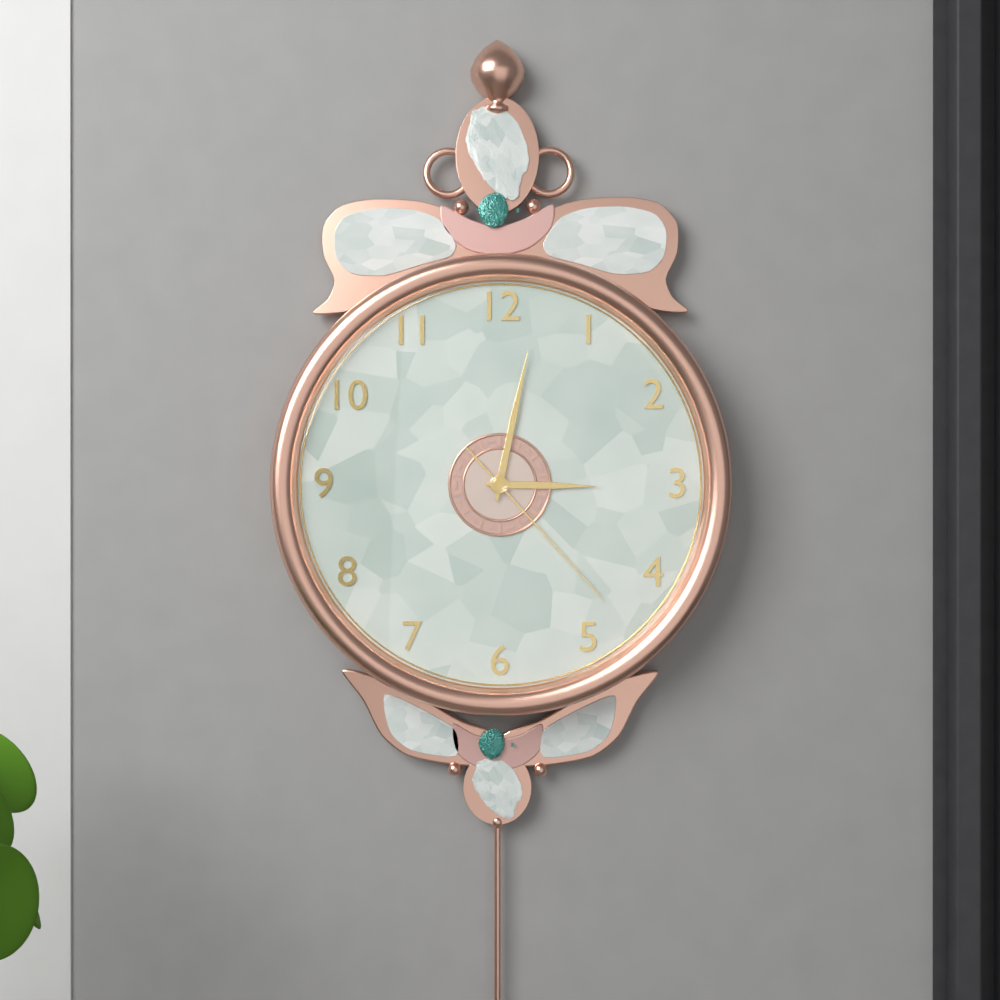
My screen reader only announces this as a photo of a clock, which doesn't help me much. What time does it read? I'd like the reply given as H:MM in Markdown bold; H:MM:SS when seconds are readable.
**3:02:23**
